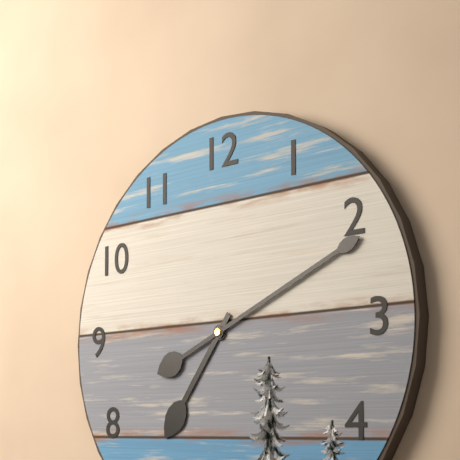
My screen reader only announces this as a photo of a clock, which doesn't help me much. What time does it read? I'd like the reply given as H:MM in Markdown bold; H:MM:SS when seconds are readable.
**7:11**
